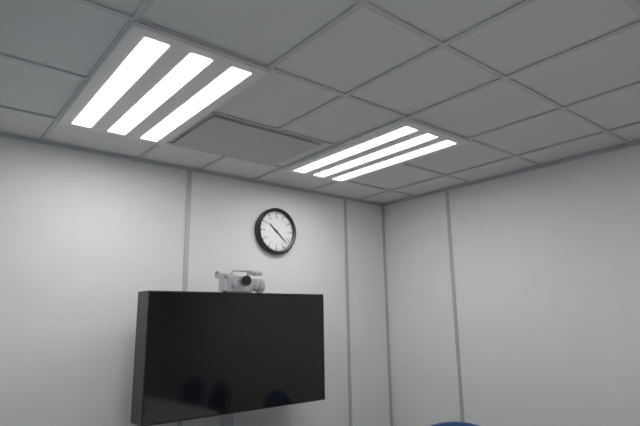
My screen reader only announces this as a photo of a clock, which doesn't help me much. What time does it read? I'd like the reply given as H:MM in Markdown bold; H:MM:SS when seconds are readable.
**10:22**
